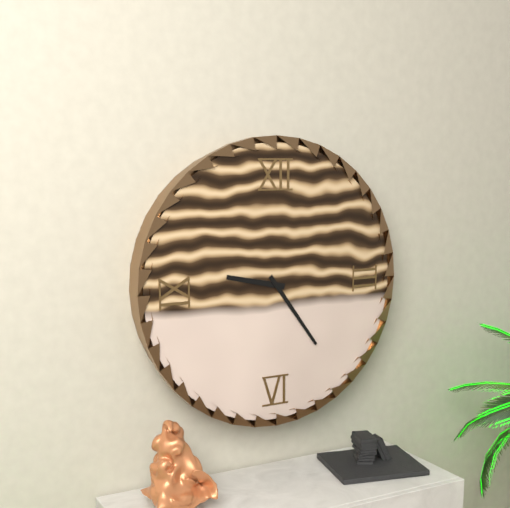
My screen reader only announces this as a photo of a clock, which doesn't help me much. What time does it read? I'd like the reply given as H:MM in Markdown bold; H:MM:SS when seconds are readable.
**9:24**
